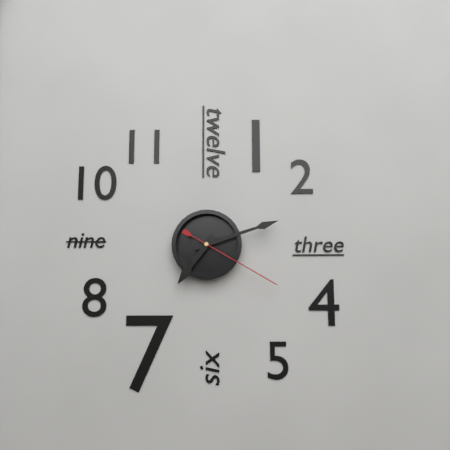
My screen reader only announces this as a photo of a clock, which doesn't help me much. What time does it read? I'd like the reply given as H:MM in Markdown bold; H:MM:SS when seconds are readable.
**7:12:20**
